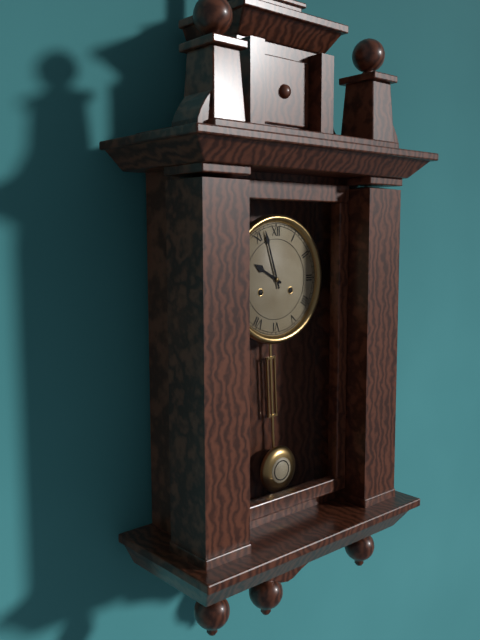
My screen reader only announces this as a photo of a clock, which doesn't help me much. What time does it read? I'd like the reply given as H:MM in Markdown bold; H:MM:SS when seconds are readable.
**9:57**
